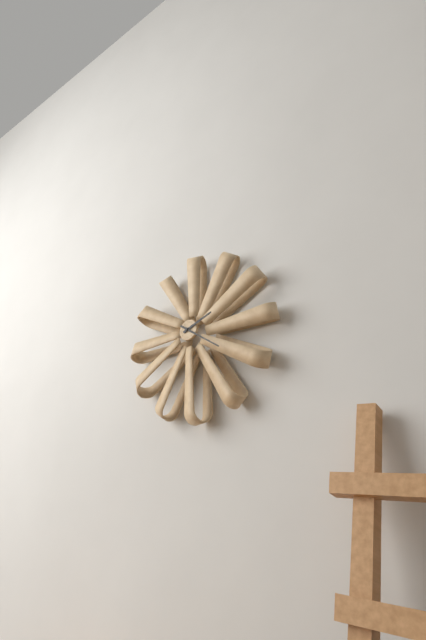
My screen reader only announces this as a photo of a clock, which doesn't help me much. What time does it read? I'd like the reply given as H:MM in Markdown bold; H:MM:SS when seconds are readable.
**2:21**
